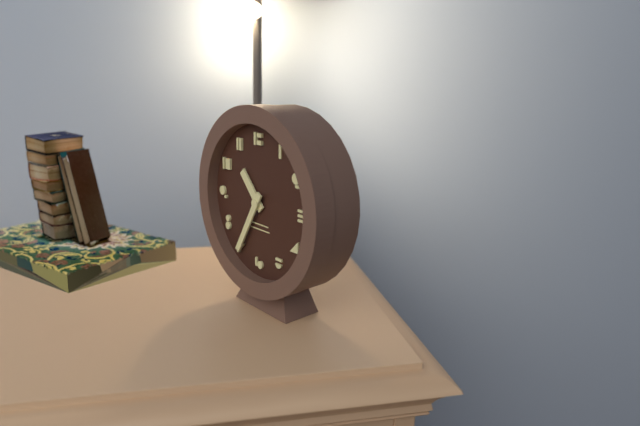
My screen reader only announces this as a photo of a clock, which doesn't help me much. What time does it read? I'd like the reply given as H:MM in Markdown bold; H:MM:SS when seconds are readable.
**10:35**
